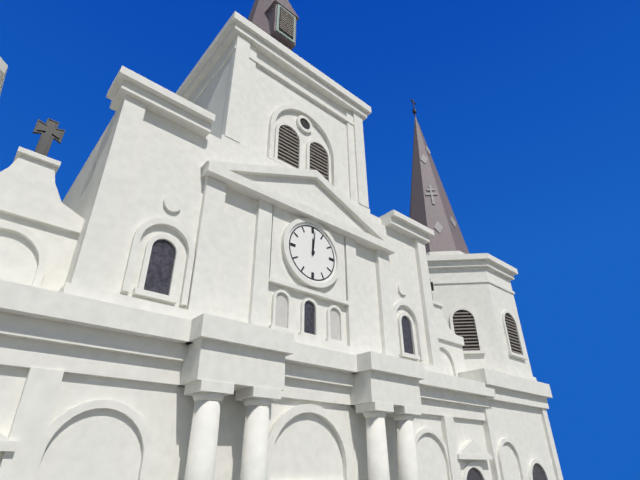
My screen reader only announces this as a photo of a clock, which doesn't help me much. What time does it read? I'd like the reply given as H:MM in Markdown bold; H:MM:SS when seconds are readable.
**12:01**
